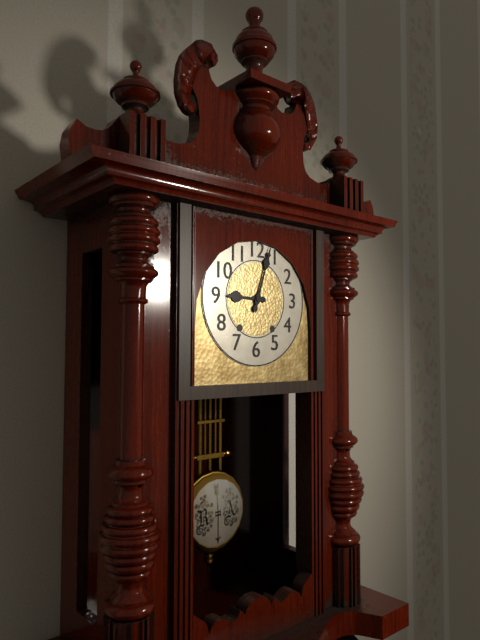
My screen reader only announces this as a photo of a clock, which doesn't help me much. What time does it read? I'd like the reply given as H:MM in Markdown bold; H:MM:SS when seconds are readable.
**9:03**
